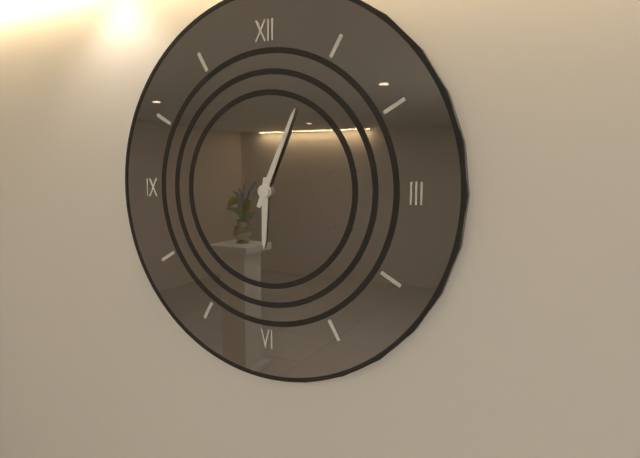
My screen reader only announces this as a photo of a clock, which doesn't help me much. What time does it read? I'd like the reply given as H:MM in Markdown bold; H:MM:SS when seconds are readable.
**6:04**
